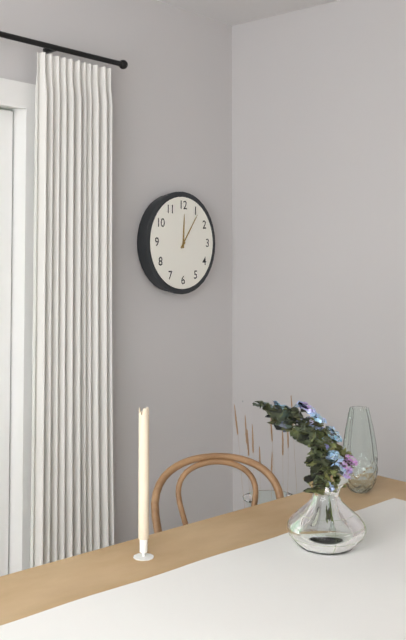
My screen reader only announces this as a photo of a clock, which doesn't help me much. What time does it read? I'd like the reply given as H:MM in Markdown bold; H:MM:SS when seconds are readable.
**12:06**
